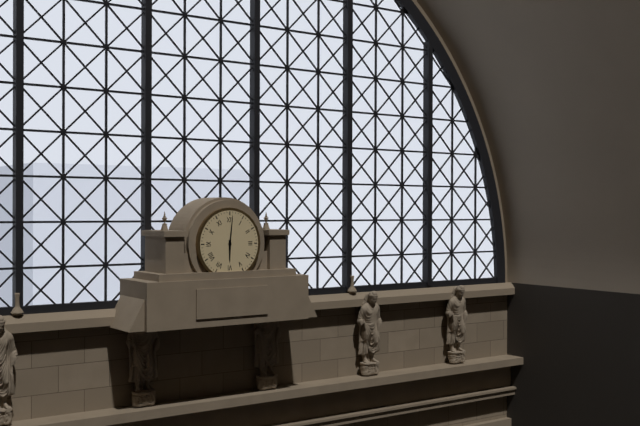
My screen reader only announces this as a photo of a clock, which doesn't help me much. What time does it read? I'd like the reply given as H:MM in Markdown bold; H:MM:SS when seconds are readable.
**6:01**
